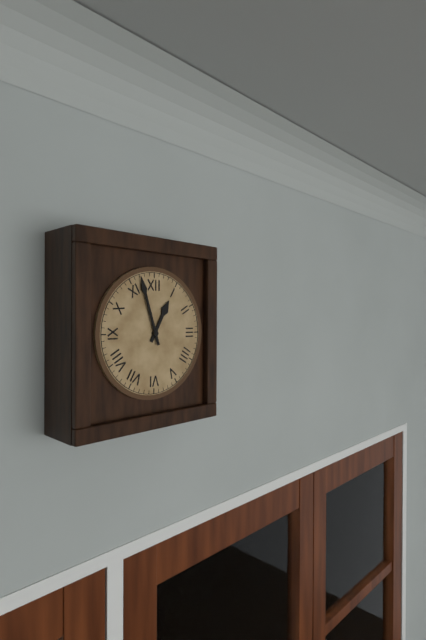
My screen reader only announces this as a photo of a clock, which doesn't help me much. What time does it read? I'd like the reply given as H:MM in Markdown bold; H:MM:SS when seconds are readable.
**12:57**
